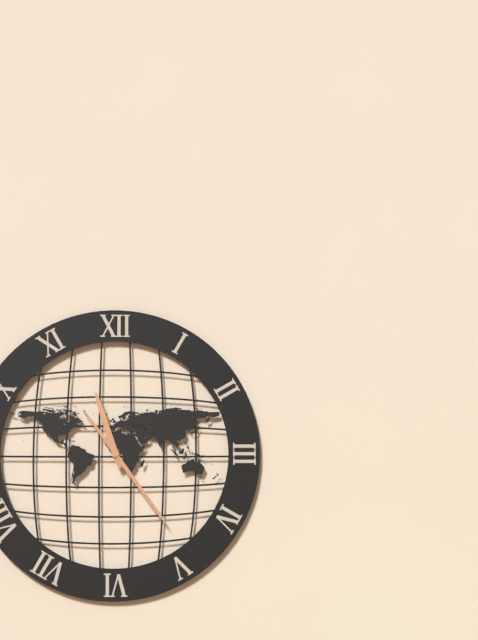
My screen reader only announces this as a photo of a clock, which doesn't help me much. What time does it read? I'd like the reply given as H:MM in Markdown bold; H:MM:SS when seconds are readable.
**11:24**
